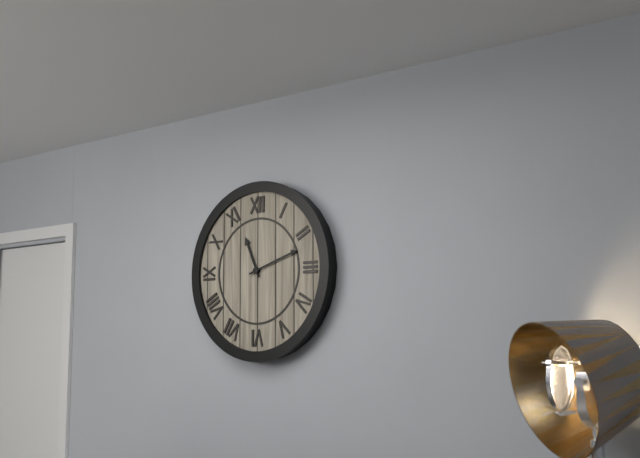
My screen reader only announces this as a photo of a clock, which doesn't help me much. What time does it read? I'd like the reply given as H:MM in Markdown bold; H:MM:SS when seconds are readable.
**11:12**
